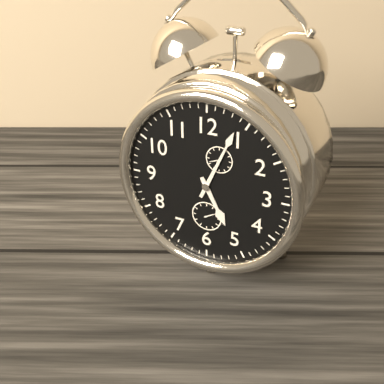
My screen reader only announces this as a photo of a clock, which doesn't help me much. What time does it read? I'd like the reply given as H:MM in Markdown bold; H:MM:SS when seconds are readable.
**5:04**
